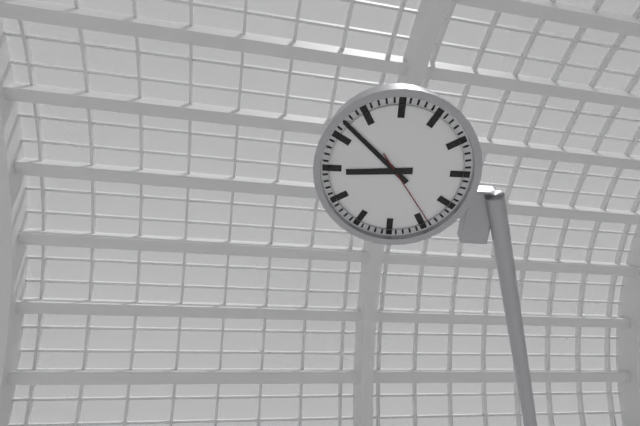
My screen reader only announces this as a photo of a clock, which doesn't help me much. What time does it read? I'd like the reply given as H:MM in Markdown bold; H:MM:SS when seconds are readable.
**8:52:24**
